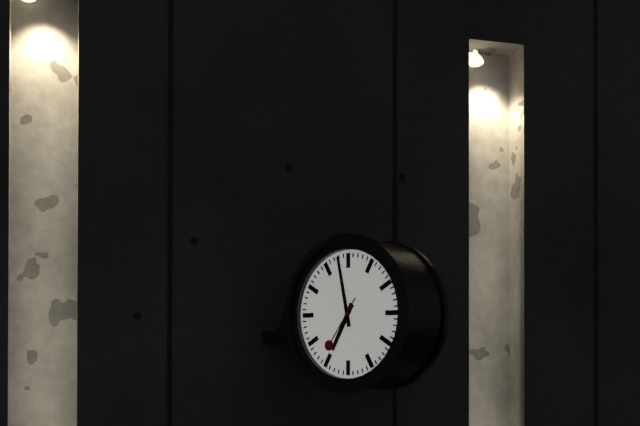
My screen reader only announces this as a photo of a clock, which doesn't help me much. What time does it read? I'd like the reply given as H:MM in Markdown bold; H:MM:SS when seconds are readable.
**6:58:36**
